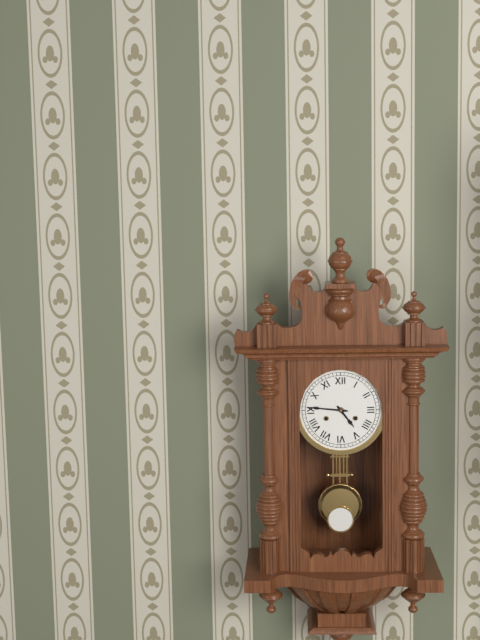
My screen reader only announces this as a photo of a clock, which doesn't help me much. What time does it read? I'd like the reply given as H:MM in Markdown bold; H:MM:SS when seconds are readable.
**4:46**
